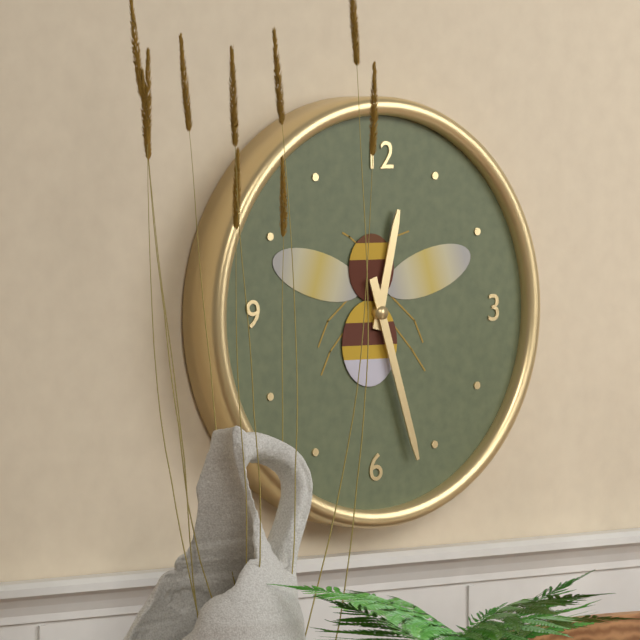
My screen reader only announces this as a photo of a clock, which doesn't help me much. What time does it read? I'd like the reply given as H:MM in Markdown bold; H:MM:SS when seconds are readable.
**12:27**
